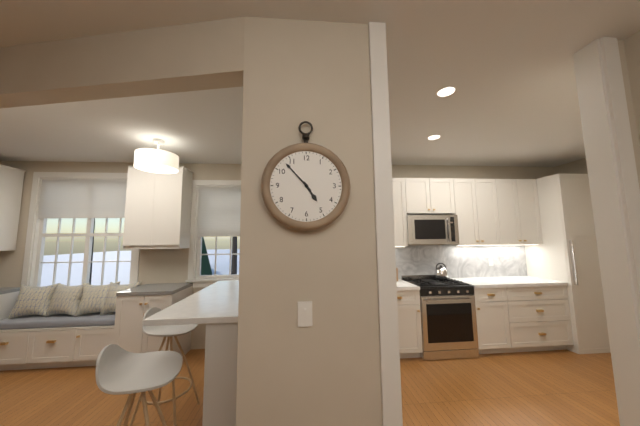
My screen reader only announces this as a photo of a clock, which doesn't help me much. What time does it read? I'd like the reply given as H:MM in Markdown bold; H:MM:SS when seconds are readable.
**4:53**
